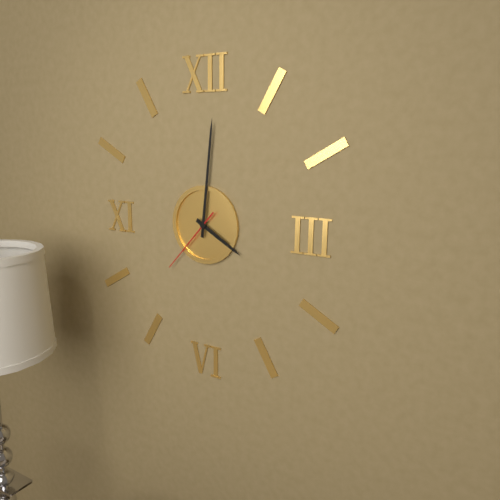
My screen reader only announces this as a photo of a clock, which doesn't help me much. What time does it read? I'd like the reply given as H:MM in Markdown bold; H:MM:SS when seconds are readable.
**4:01:37**
